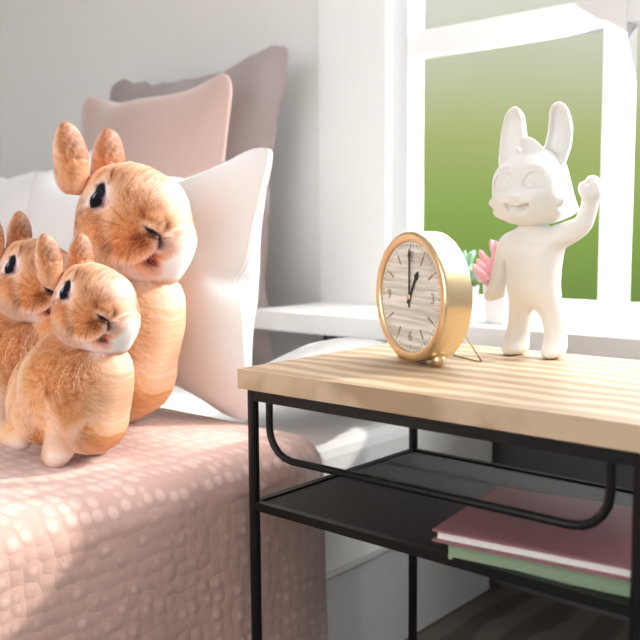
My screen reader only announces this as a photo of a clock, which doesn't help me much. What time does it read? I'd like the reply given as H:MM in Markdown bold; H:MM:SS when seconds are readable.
**1:00**
